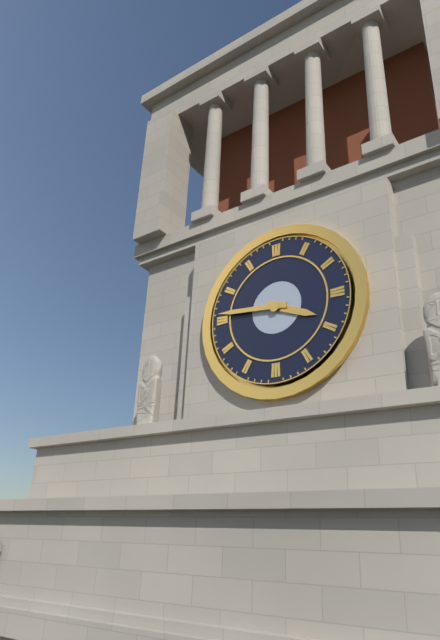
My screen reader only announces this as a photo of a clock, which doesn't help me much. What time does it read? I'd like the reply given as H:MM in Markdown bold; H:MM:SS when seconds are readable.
**3:46**
